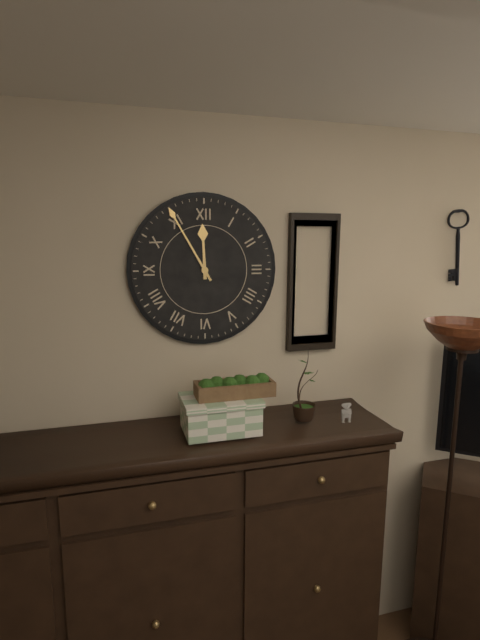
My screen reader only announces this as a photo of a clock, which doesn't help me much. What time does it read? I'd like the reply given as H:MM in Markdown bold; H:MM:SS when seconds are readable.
**11:55**
